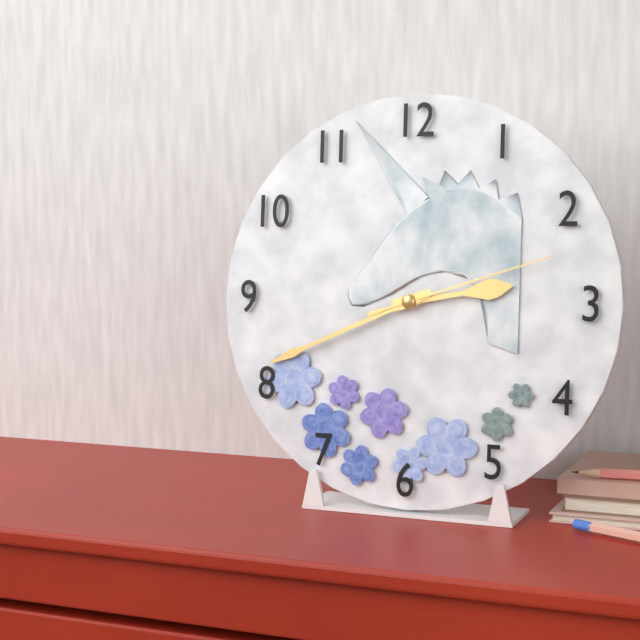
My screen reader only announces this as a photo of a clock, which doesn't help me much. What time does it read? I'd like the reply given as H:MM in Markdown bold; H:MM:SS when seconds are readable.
**2:41:12**
